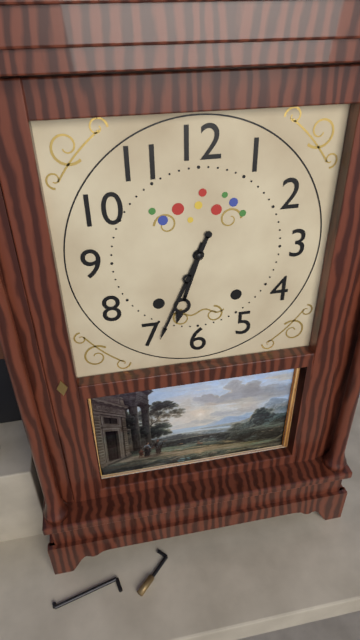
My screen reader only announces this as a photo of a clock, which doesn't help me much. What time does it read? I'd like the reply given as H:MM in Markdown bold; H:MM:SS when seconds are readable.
**6:34**
